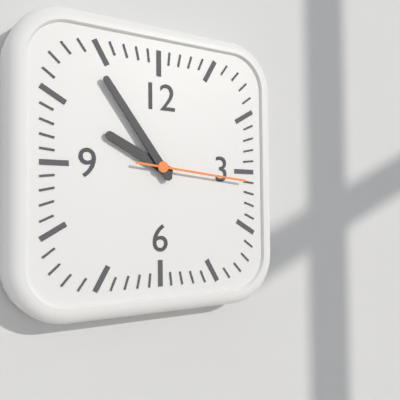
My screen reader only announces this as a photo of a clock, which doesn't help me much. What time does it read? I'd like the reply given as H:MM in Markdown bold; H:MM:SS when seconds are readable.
**9:54:16**
